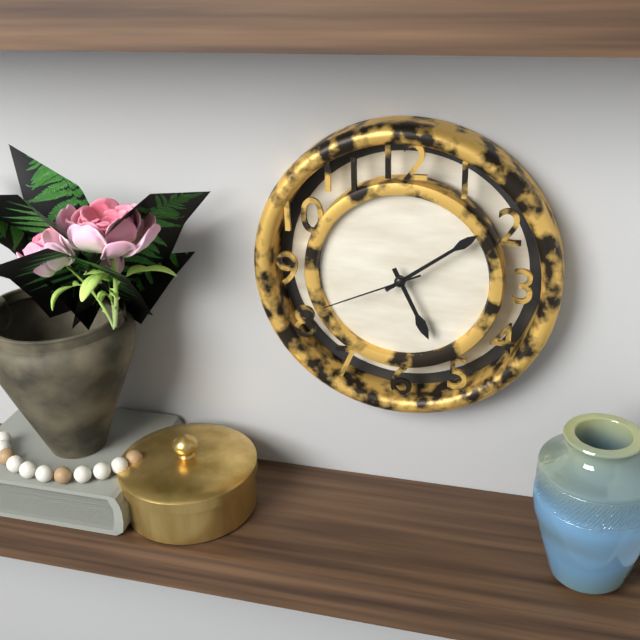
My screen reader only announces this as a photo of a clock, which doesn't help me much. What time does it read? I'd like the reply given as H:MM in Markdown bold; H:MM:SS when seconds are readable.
**5:09:41**
